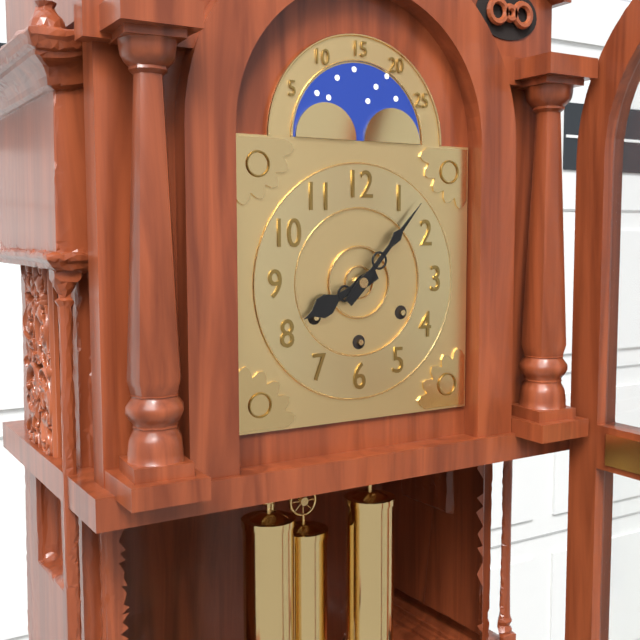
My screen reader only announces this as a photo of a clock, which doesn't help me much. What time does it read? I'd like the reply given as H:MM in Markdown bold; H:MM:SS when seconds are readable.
**8:07**
